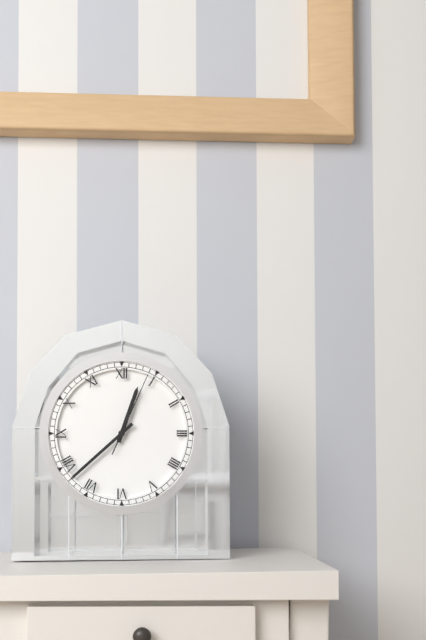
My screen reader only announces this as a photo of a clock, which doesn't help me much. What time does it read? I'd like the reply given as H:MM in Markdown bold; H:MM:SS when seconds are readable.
**12:38:04**
